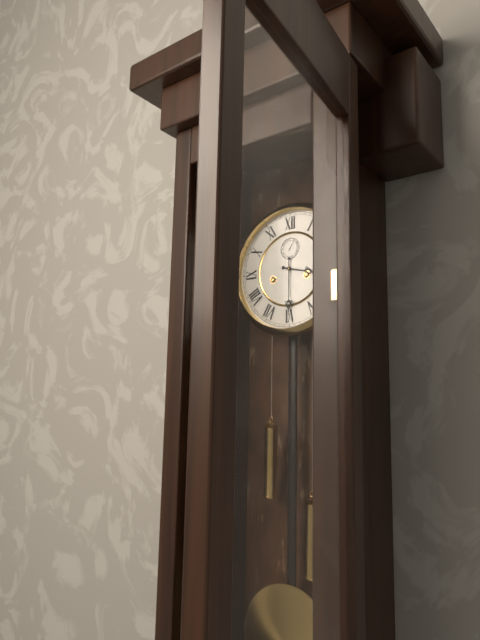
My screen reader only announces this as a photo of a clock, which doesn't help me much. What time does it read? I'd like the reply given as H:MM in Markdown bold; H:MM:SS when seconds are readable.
**3:30**
